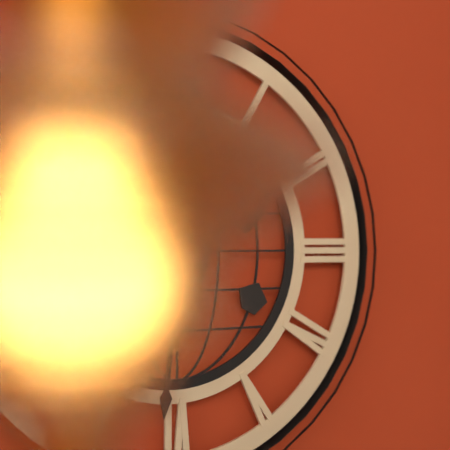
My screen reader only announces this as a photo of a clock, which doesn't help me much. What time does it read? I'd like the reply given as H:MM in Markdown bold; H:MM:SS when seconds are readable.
**6:31**
